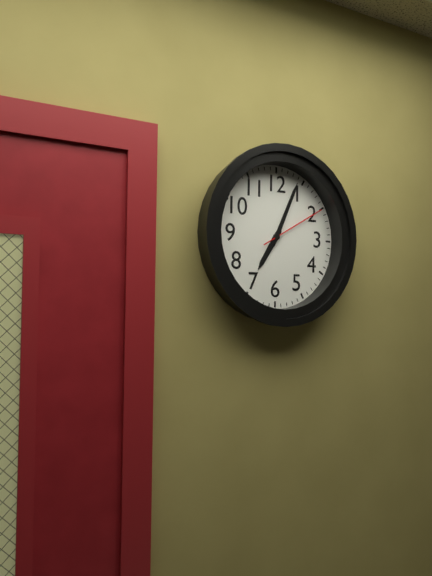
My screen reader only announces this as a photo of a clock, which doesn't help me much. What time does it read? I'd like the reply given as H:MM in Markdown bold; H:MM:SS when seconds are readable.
**7:04:10**
